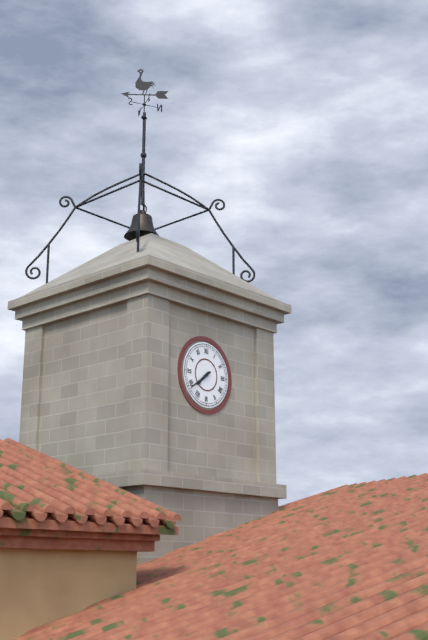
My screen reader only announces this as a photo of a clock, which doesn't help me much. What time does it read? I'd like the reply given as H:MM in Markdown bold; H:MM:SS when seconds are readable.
**7:39**
